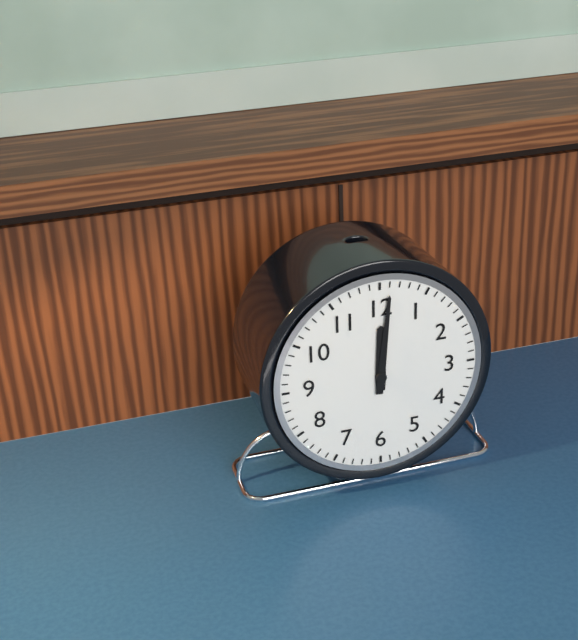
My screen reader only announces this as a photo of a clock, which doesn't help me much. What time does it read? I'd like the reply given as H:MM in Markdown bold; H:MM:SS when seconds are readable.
**12:01**
